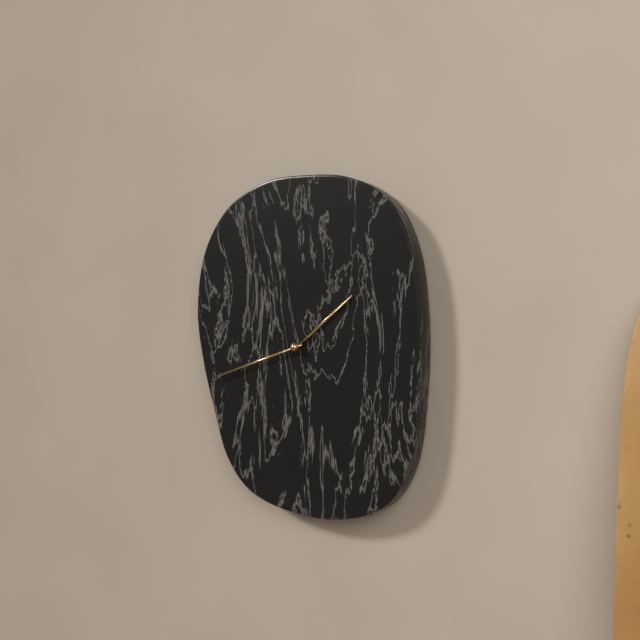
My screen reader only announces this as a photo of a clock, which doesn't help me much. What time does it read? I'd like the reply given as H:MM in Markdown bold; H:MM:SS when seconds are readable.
**1:42**
